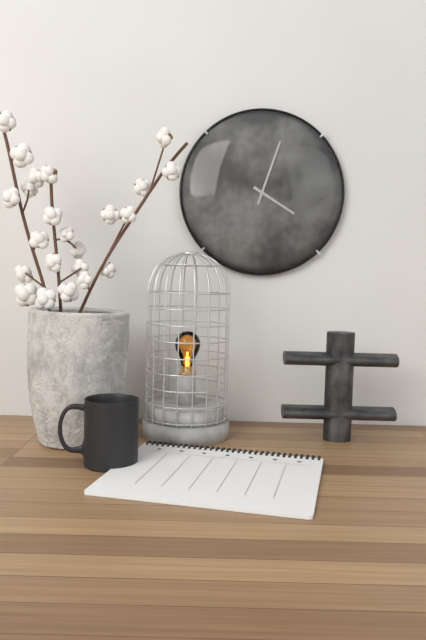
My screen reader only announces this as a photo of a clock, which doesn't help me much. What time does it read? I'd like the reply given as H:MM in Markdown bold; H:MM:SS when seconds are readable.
**4:03**
